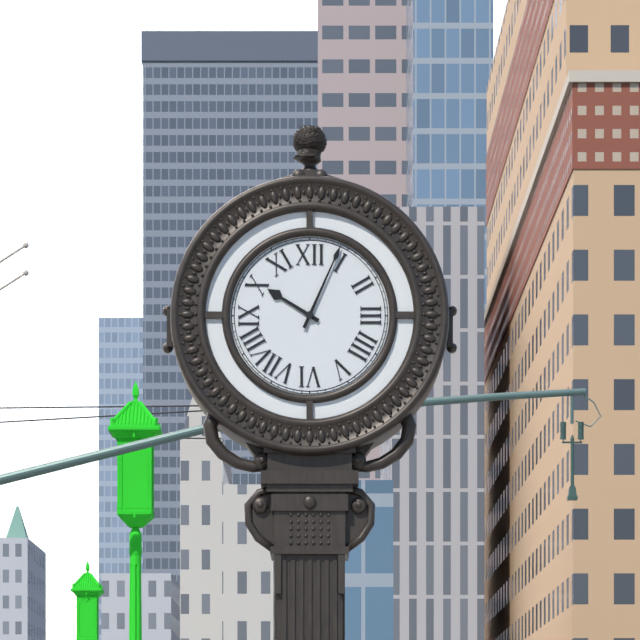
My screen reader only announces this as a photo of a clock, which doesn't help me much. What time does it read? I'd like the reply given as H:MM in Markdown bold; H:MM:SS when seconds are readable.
**10:04**
